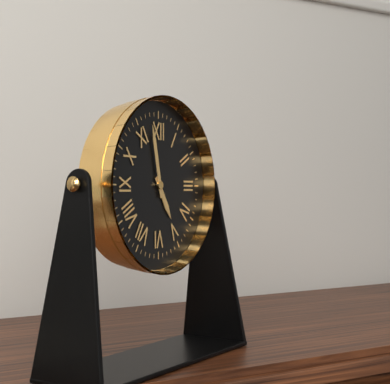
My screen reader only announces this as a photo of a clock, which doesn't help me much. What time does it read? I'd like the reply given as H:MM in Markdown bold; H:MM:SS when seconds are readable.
**4:58**
